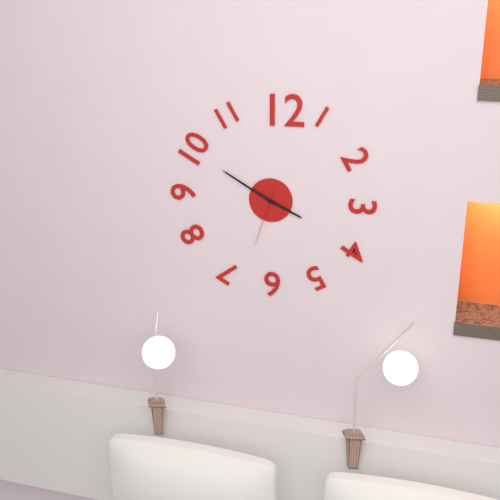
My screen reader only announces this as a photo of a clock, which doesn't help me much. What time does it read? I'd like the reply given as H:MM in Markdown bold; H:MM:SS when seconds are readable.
**3:50:33**
